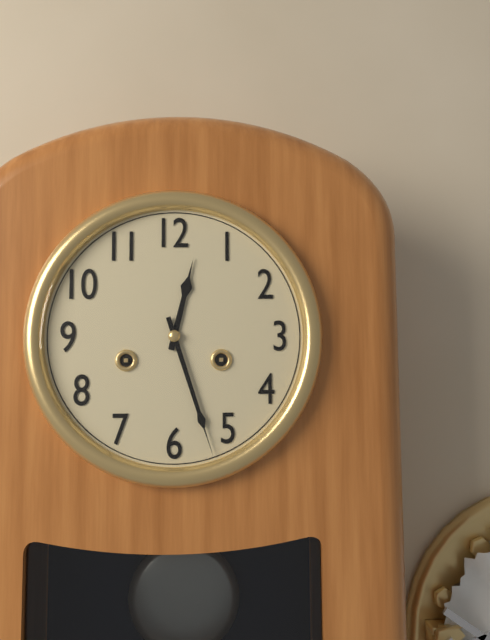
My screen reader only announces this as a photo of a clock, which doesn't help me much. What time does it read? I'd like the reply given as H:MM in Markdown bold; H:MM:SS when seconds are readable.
**12:27**
